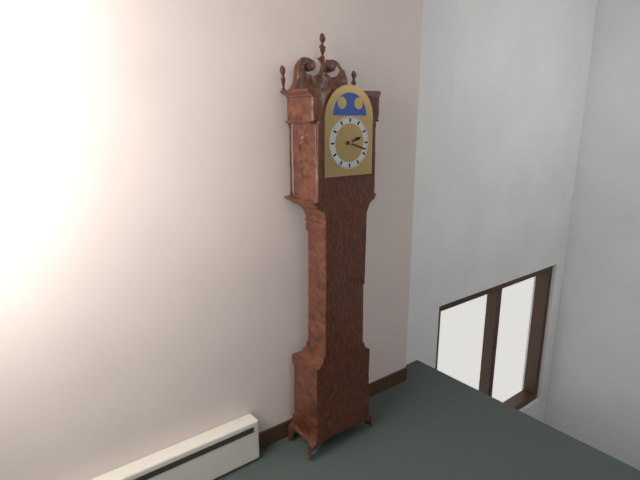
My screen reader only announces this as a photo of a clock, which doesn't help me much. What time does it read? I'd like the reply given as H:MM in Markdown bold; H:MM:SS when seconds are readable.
**2:18**
